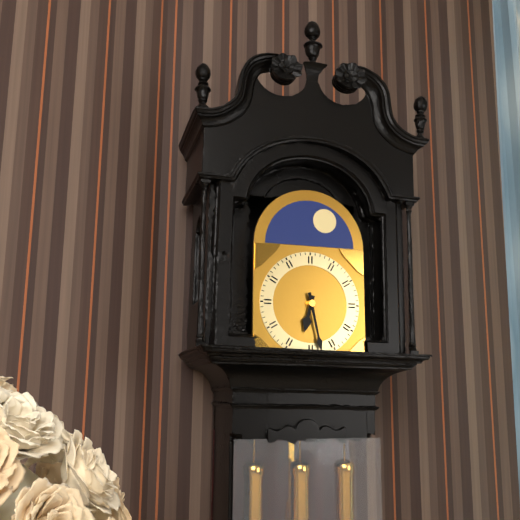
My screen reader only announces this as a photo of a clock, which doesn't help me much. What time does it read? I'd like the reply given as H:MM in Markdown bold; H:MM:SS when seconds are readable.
**6:28**
